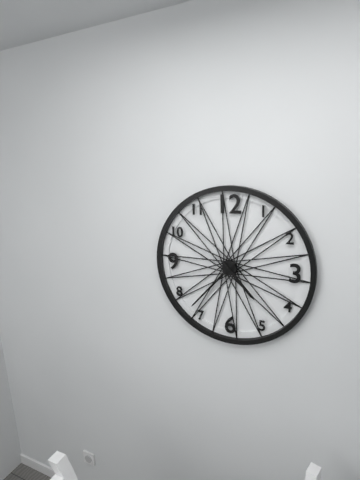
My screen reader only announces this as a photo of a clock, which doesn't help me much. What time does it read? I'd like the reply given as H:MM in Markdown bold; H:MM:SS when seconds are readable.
**4:37**
